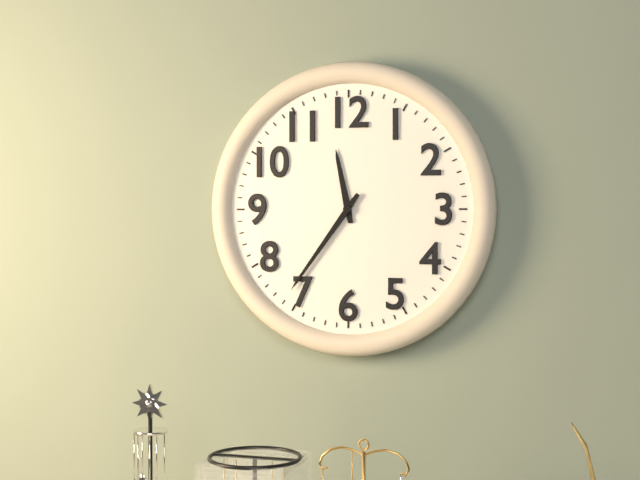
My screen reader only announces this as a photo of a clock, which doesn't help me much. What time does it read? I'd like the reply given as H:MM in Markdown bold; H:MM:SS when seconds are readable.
**11:36**
